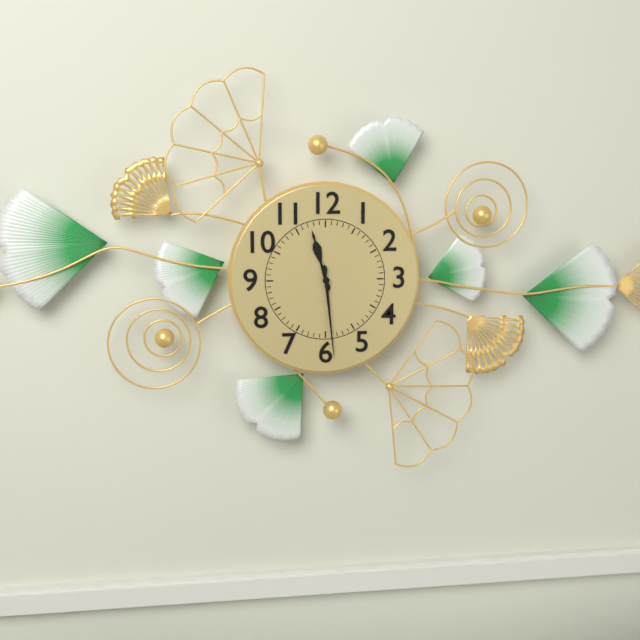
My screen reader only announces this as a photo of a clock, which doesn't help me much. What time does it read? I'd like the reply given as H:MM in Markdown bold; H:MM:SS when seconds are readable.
**11:29**
